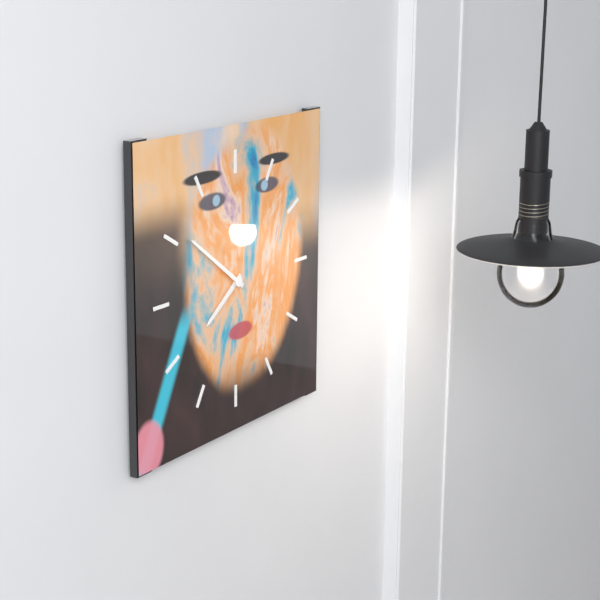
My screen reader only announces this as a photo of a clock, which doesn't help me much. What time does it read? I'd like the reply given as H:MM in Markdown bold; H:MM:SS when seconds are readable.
**7:51**
